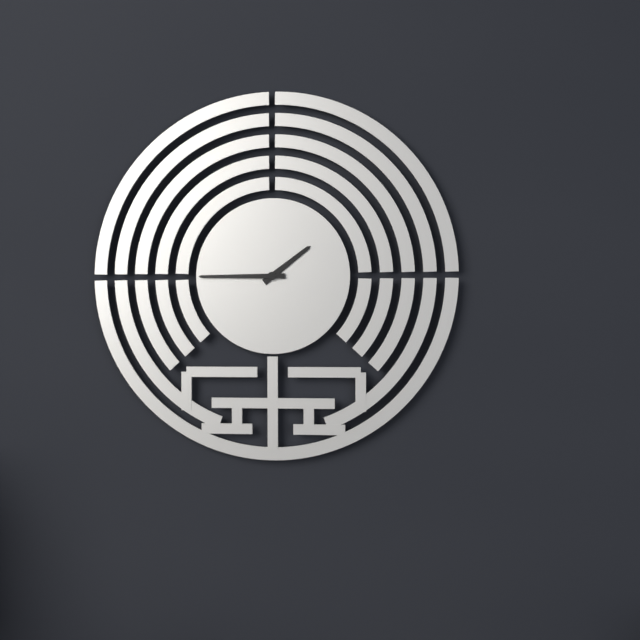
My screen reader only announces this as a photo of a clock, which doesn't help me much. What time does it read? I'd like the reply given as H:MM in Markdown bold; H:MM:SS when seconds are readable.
**1:45**
